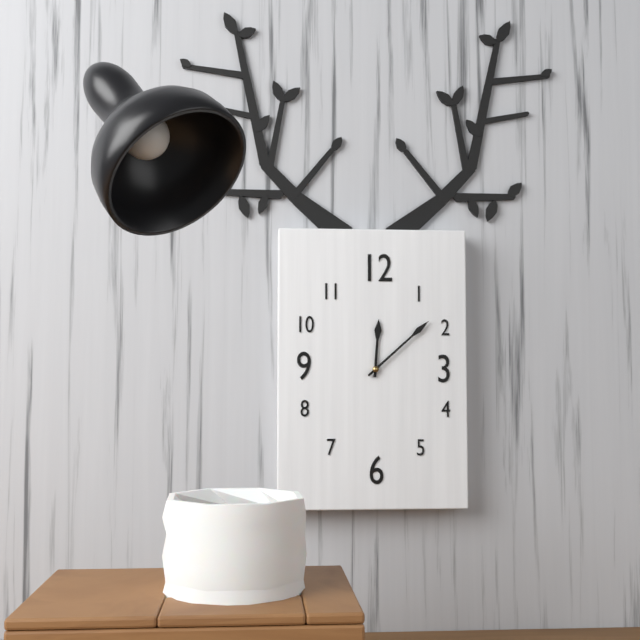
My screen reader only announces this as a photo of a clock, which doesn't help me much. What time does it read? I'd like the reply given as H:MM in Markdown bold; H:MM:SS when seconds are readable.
**12:08**
